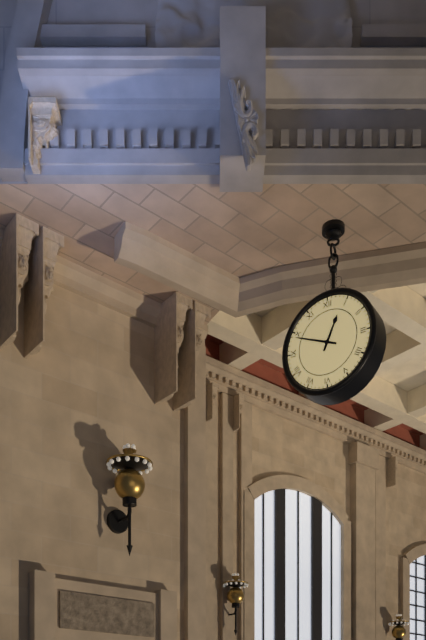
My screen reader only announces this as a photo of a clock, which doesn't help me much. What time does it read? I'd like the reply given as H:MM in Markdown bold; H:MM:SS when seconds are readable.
**12:49**
